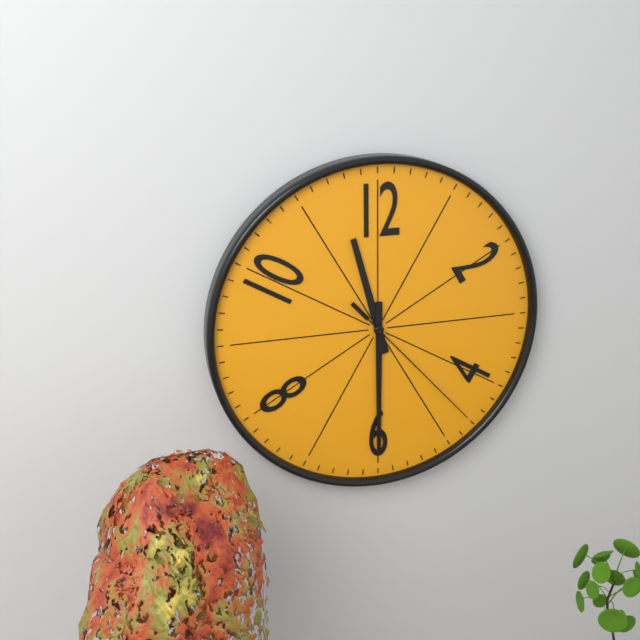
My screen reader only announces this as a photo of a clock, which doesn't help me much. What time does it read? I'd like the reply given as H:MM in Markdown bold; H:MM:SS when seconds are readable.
**11:30:23**
